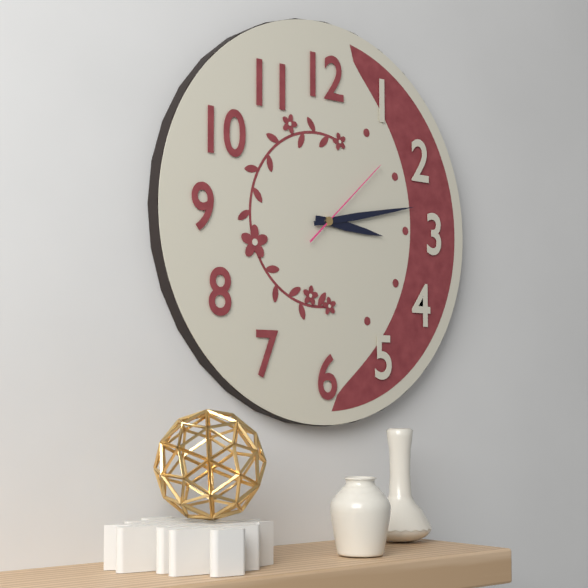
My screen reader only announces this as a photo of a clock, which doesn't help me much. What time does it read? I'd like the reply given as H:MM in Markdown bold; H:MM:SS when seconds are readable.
**3:13:08**
